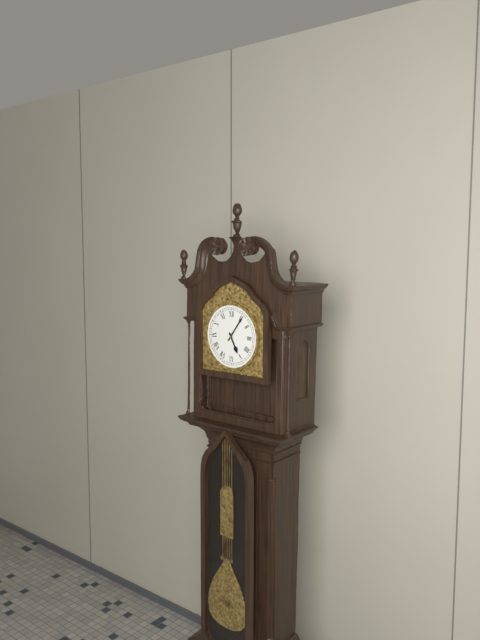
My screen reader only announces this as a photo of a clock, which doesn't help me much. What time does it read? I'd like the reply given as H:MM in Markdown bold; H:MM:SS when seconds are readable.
**5:06**
